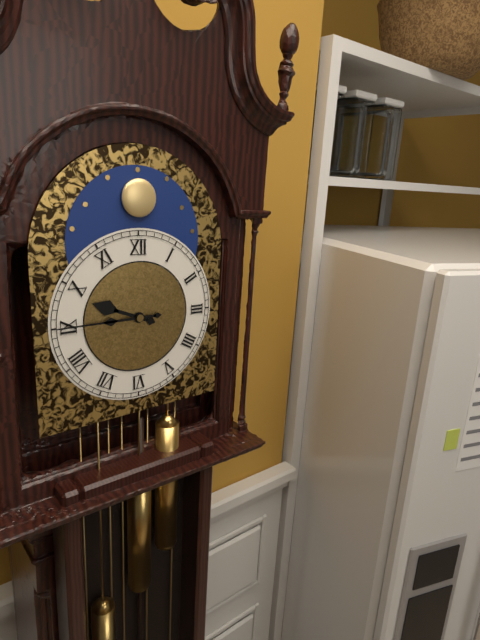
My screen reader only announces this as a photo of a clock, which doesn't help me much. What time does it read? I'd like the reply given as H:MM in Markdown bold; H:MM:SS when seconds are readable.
**9:45**
